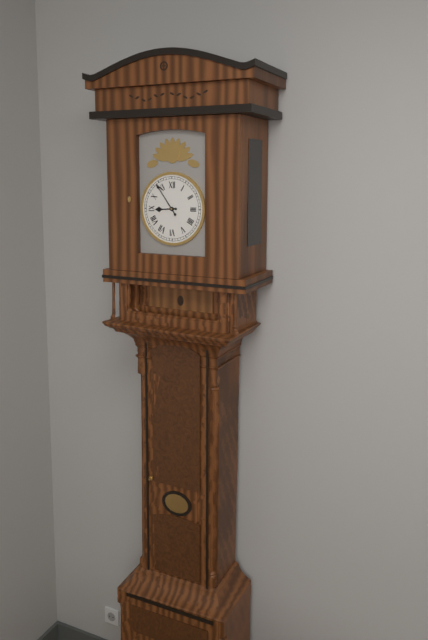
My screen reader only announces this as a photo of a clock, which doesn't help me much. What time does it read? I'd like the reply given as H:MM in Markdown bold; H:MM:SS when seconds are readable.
**8:54**
